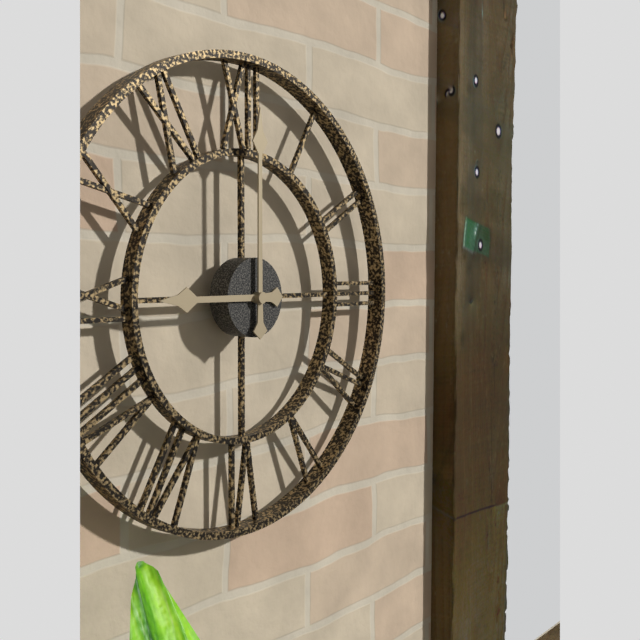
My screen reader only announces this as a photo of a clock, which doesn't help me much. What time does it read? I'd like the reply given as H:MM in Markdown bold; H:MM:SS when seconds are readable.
**9:00**
